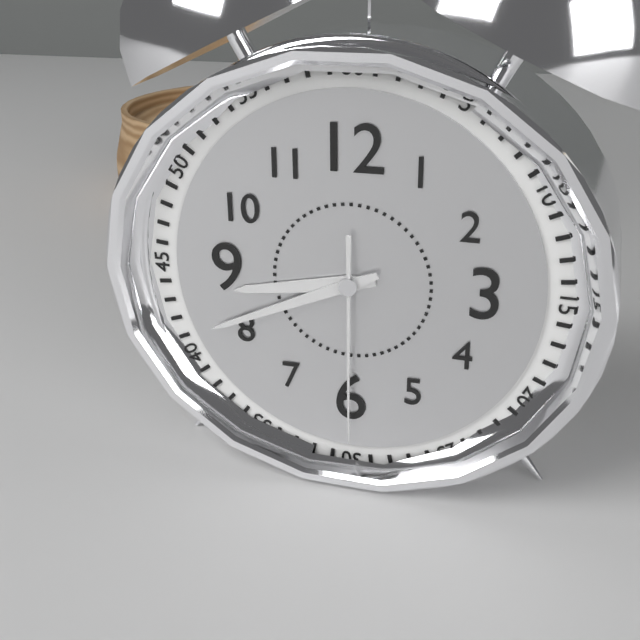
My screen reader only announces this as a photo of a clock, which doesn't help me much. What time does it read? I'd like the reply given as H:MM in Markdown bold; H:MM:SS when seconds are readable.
**8:41:30**
